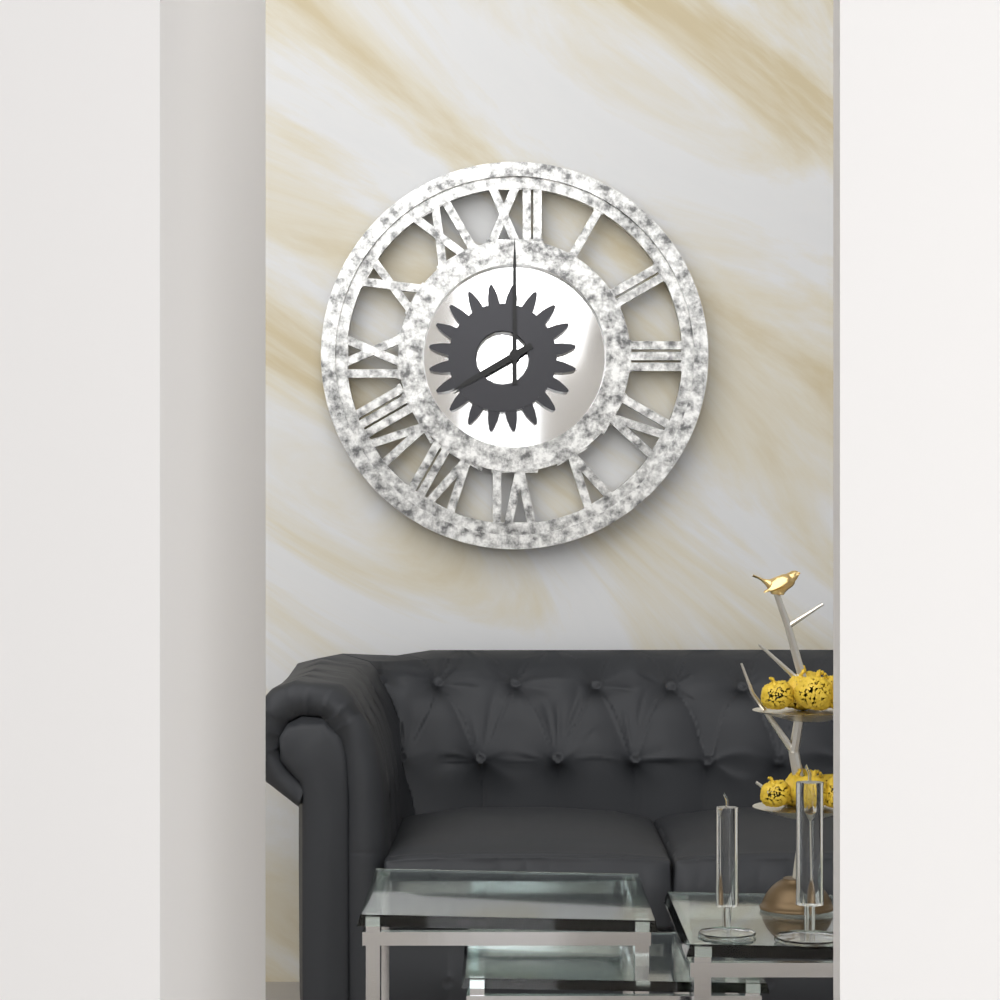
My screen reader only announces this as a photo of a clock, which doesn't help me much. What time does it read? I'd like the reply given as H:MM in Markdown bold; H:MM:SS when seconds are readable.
**8:00**
